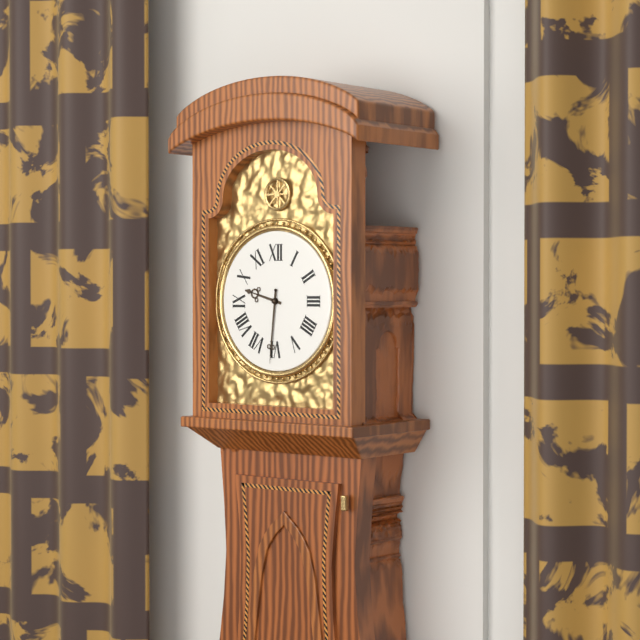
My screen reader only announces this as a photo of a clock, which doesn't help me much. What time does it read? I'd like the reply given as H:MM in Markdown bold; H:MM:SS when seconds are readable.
**9:31**
